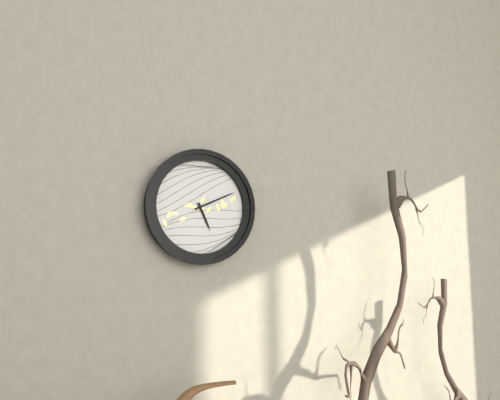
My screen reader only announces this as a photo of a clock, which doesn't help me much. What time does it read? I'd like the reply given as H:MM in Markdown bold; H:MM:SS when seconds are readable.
**5:11**
